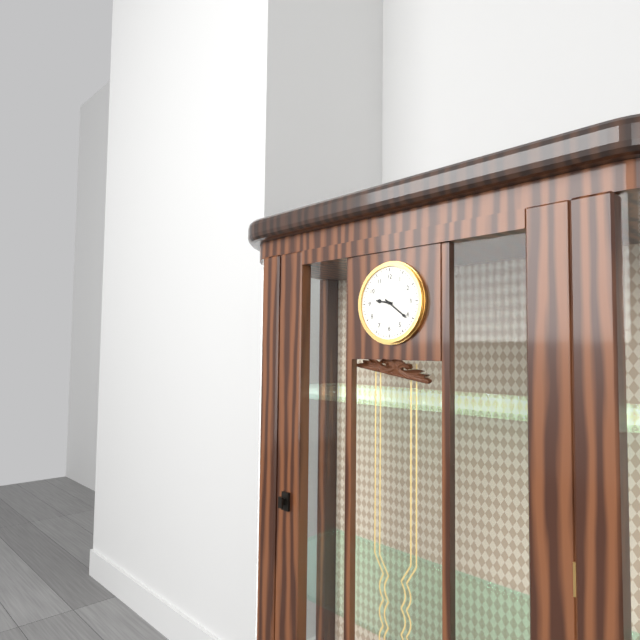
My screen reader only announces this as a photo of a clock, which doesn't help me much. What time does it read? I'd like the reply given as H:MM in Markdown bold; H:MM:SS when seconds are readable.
**9:21**
